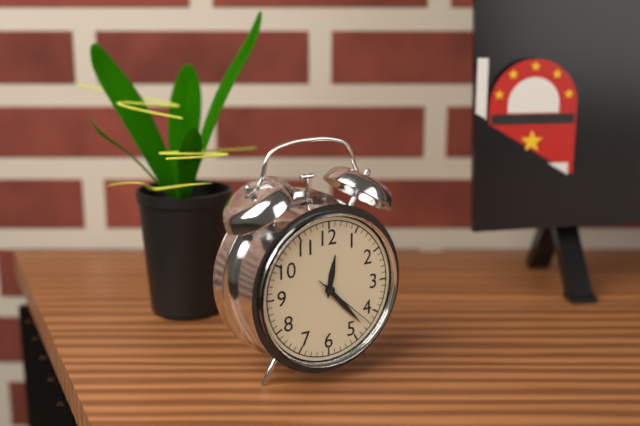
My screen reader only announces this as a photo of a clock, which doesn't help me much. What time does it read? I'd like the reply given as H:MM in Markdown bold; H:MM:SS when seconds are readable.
**12:23:22**
